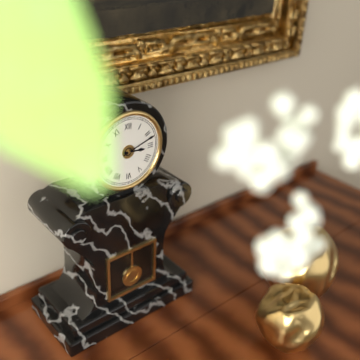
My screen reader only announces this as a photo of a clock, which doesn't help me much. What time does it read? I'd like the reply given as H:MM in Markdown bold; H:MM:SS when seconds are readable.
**3:12**
